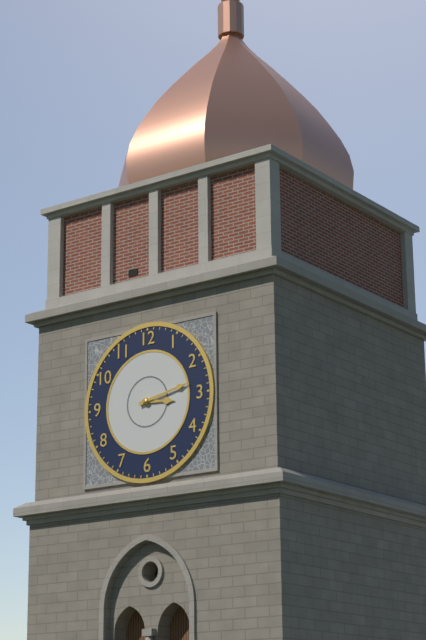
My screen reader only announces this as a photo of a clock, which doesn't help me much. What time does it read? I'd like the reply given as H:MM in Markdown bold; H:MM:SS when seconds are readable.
**3:13**
